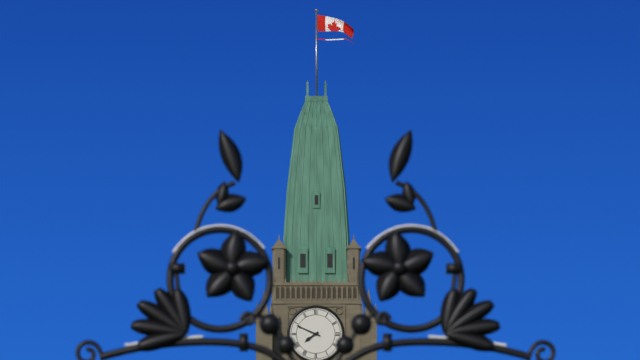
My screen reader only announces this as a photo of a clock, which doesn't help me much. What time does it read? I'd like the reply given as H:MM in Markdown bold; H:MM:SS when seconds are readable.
**7:49**
